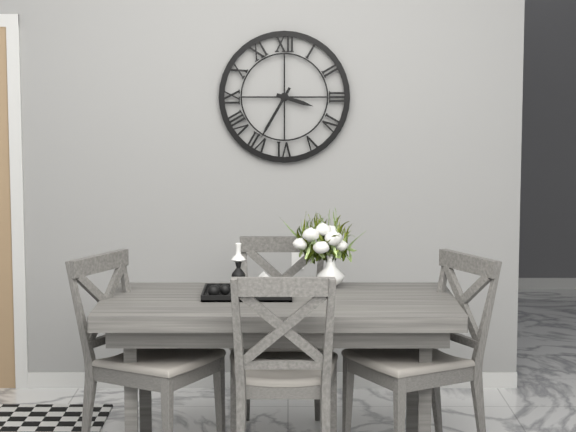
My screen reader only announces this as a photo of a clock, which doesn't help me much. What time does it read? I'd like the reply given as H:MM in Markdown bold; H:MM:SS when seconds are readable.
**3:35**
